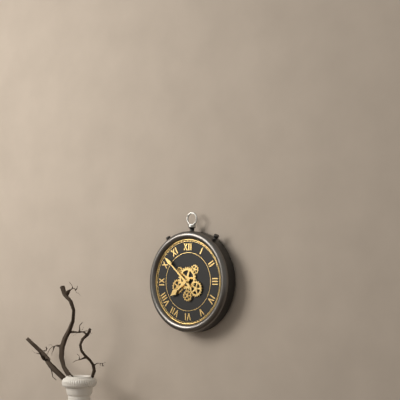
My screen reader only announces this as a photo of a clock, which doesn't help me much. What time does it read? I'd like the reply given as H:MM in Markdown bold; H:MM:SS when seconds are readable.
**7:52**
